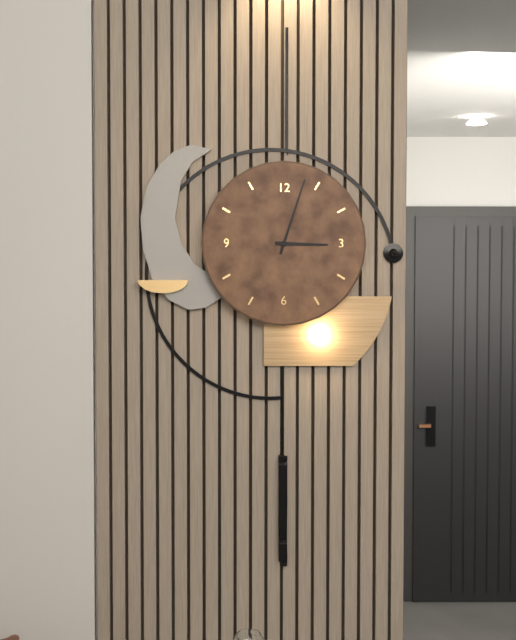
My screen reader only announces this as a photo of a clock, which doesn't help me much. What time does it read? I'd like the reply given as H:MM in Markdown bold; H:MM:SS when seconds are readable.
**3:03**
